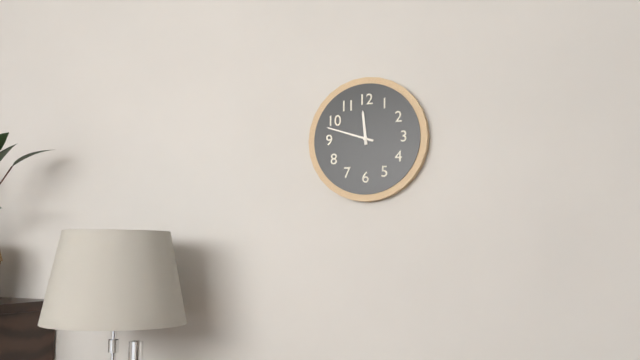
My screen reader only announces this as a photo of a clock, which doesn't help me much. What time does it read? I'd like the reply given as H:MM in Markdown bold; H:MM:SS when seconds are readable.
**11:48**
